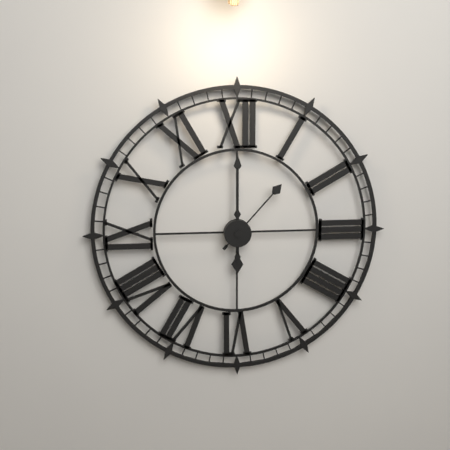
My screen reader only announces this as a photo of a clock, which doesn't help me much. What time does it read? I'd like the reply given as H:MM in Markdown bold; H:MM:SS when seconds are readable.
**6:00:07**
